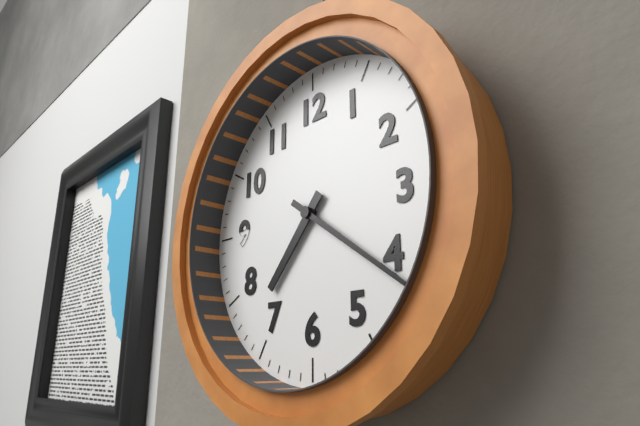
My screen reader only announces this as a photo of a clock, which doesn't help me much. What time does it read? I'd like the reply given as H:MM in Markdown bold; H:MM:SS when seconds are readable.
**7:21**
